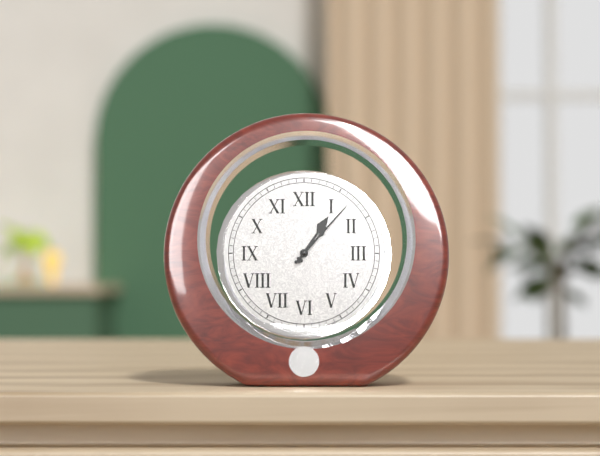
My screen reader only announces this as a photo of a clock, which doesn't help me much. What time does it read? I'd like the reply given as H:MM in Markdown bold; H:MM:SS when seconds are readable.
**1:07**
